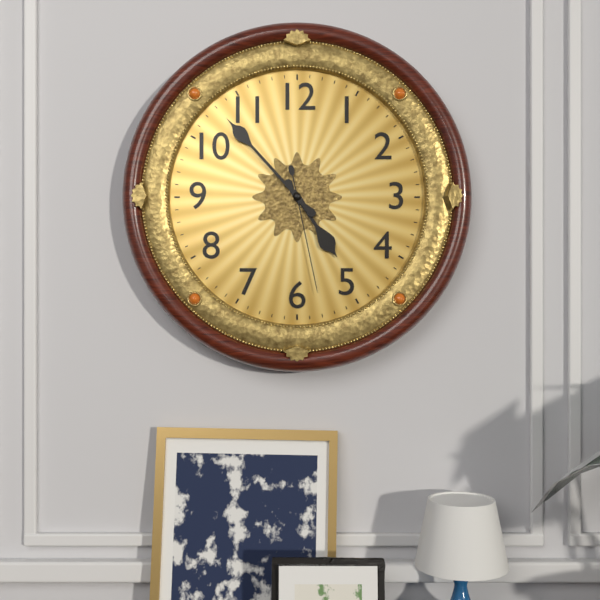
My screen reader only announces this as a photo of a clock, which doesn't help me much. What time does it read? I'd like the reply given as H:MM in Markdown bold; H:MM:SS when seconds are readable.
**4:53:28**
